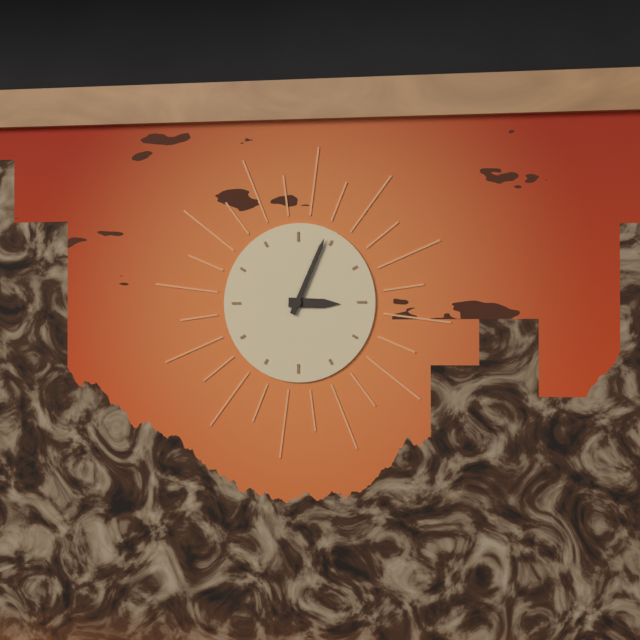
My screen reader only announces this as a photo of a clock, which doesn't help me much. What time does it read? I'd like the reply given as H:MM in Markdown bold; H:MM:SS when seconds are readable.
**3:04**
